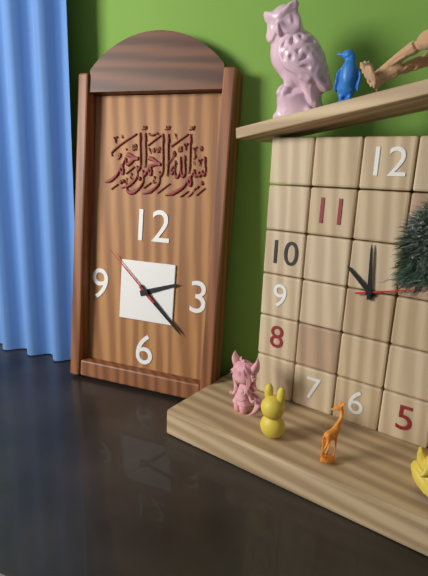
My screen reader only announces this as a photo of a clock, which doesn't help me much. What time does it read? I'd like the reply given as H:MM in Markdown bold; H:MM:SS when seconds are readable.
**2:22:52**
